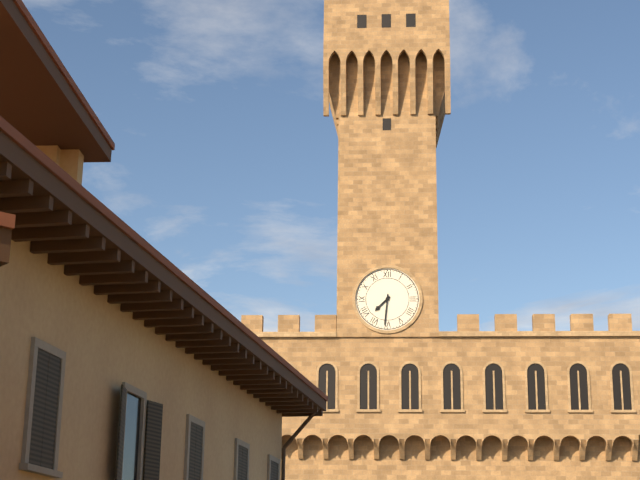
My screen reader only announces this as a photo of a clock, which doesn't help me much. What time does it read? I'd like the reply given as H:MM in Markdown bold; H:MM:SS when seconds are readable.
**7:31**
